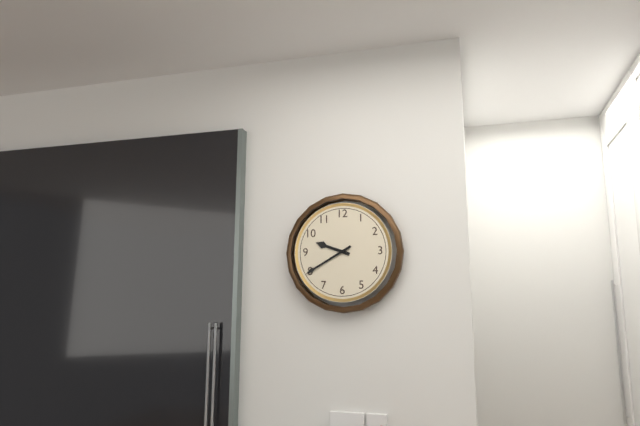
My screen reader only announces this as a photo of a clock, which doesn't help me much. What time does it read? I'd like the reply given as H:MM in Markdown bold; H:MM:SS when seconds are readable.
**9:40**
